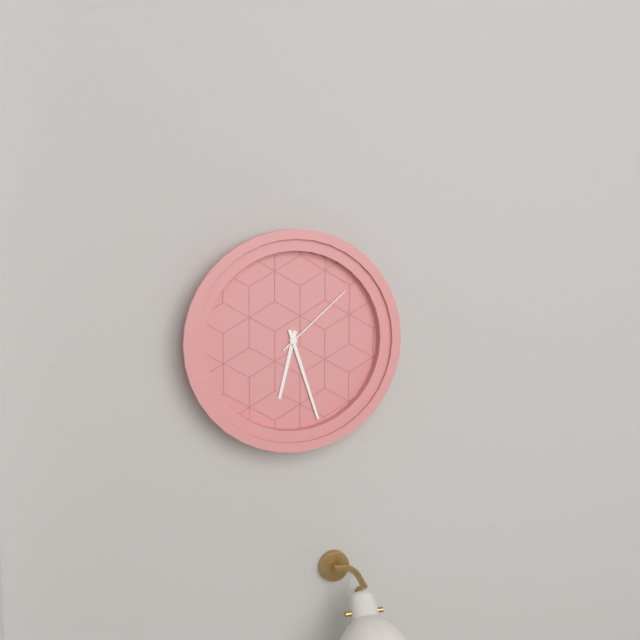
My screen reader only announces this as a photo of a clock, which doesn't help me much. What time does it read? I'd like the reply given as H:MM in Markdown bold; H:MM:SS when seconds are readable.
**6:27:08**
